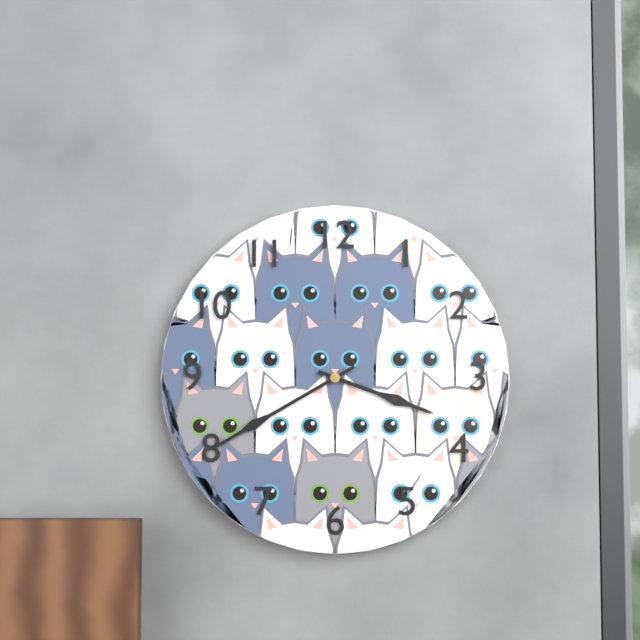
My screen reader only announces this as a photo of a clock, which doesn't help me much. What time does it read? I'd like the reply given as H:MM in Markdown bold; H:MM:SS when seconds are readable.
**3:40**
